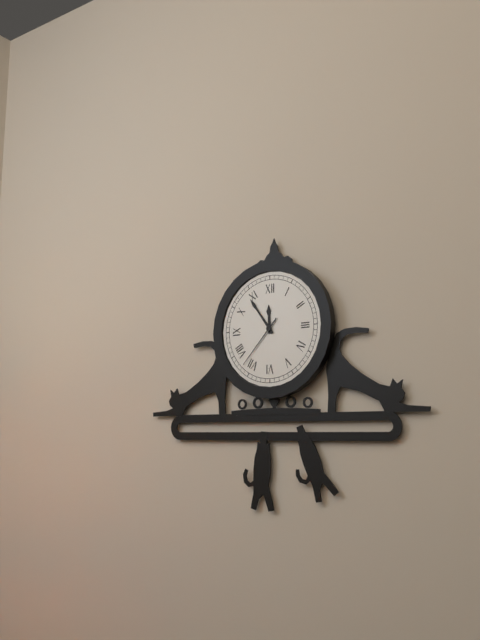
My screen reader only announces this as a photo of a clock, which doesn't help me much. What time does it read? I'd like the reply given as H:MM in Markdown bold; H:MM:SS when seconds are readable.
**11:54:37**
